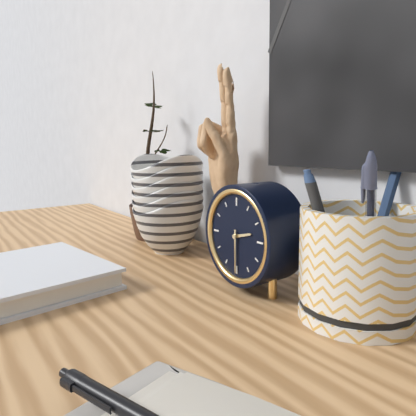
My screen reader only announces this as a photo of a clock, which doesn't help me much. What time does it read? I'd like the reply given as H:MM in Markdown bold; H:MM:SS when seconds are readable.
**2:30**
